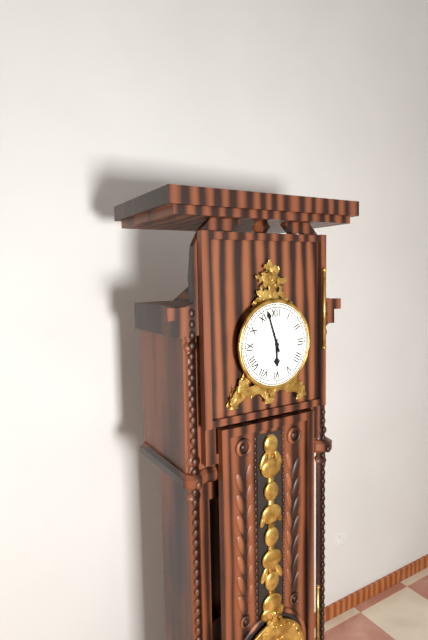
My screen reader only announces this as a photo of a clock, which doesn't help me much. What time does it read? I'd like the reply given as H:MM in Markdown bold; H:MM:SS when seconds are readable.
**5:57**
